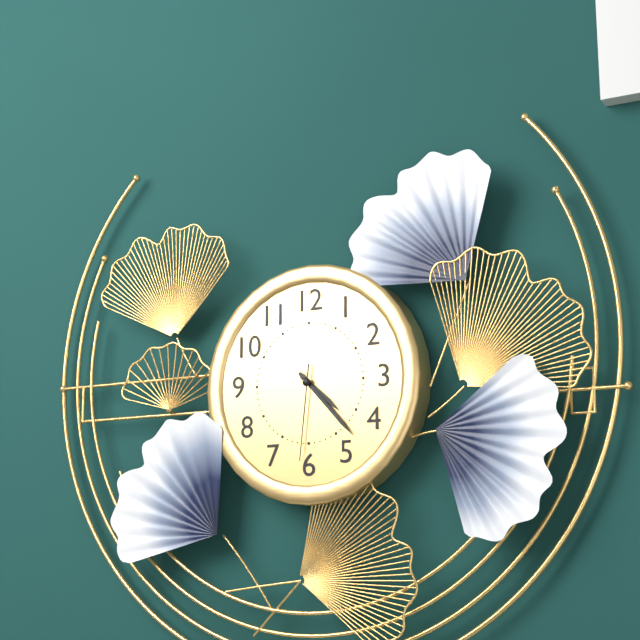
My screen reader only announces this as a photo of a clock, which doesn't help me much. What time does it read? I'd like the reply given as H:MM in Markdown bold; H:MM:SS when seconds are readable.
**4:23:31**
